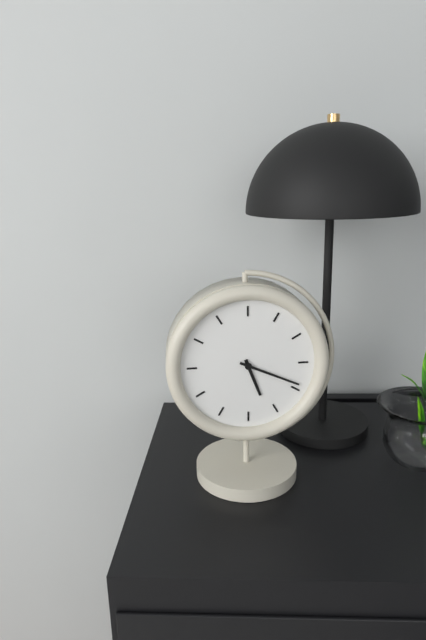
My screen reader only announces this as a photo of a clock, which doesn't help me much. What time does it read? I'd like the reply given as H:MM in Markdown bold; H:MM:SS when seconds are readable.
**5:19**
